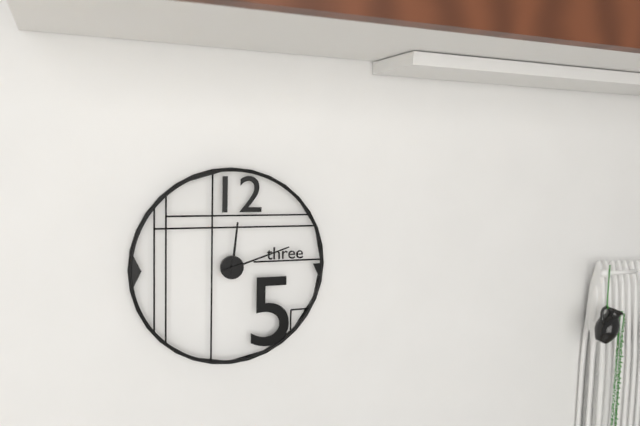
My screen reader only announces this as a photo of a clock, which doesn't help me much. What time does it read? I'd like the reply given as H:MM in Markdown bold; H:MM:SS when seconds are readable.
**12:12**
